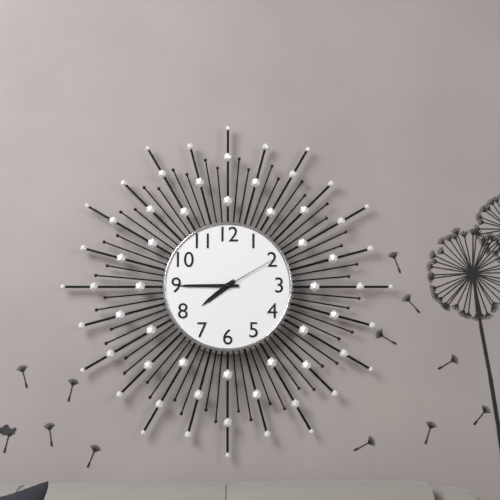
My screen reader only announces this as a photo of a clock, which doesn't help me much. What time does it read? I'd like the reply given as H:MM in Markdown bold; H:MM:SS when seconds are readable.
**7:45:10**
